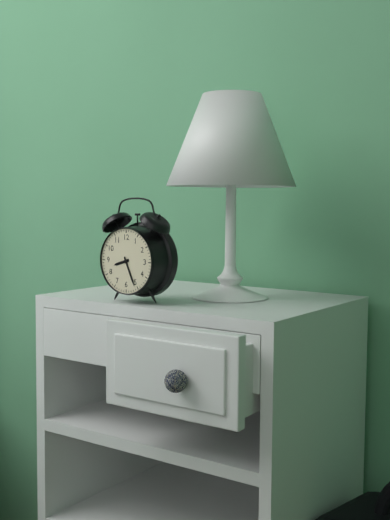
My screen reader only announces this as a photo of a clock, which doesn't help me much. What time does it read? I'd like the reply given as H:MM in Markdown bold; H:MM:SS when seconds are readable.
**8:26**
